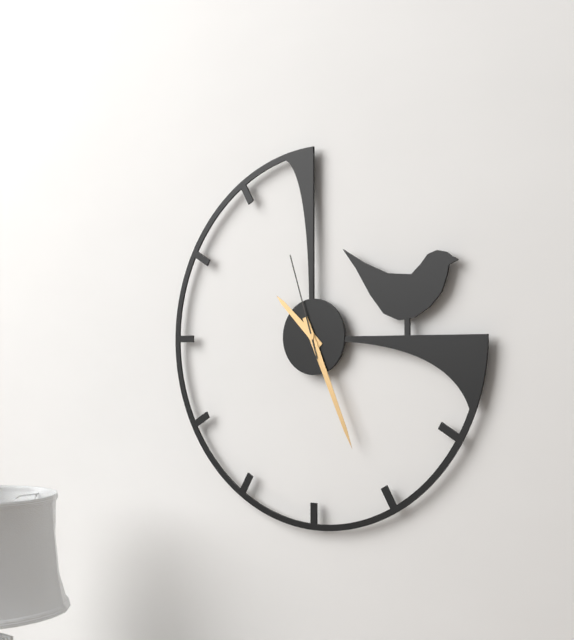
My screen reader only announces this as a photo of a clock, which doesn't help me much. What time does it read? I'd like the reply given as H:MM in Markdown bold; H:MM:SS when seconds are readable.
**10:26:57**
